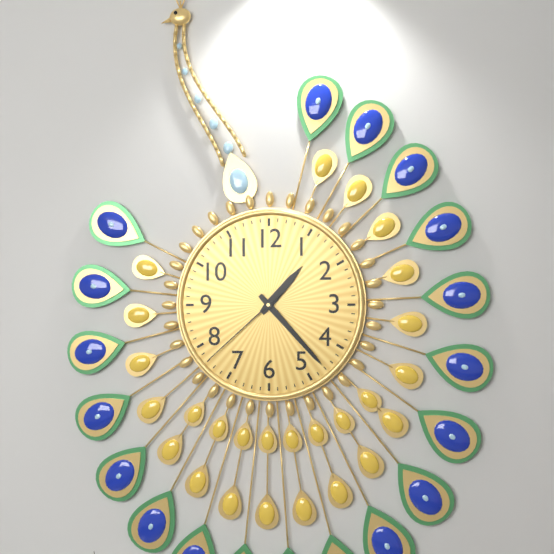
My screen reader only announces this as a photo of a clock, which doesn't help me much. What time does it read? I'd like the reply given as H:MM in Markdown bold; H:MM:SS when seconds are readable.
**1:23:38**
